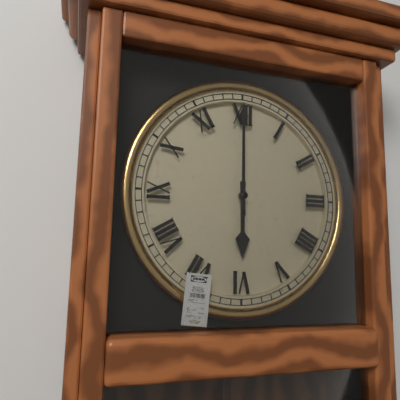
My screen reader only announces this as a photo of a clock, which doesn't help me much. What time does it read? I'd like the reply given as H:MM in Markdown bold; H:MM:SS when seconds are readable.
**6:00**
